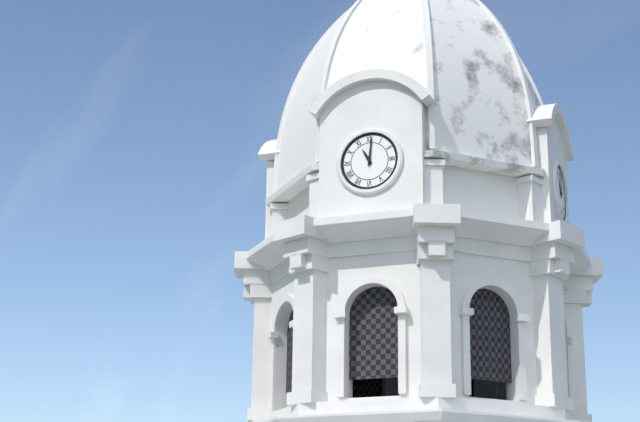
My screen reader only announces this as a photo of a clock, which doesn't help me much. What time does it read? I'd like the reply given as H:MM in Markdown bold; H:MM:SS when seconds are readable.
**11:01**
